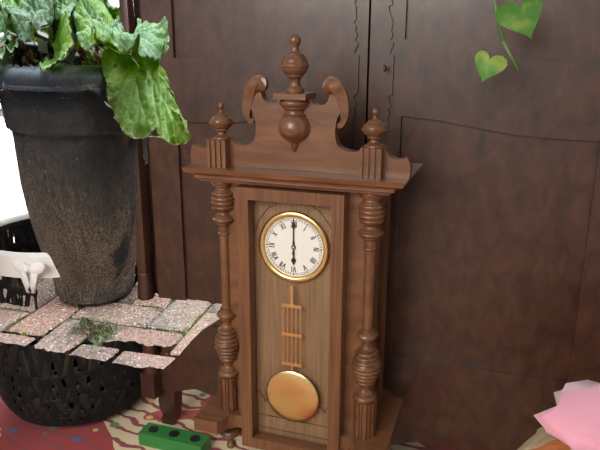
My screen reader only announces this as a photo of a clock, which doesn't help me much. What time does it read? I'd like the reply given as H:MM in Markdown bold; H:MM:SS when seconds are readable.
**6:00**
